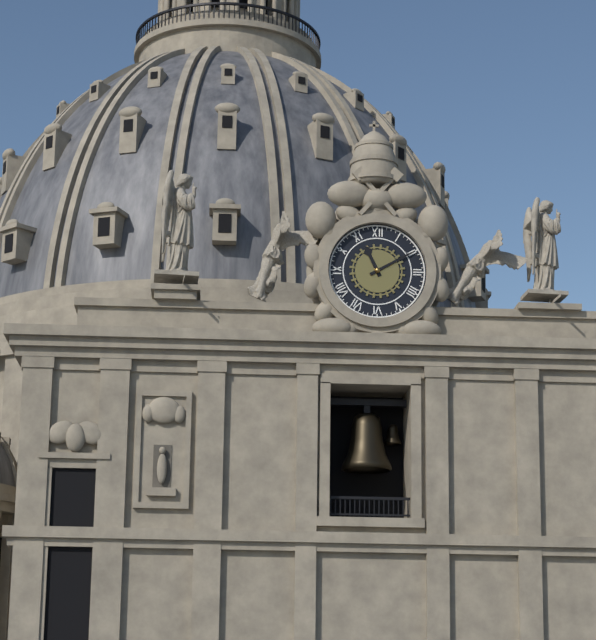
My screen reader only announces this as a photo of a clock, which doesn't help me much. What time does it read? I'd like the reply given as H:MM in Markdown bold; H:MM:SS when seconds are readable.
**11:10**
